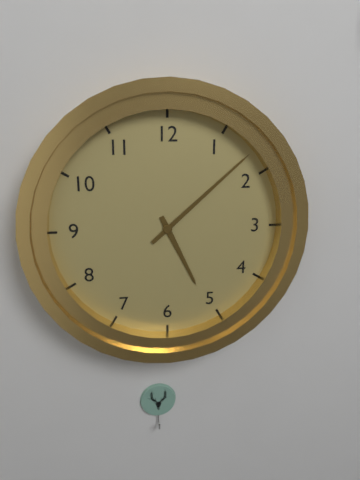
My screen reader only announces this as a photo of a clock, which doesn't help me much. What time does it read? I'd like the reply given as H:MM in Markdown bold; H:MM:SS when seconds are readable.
**5:08**
